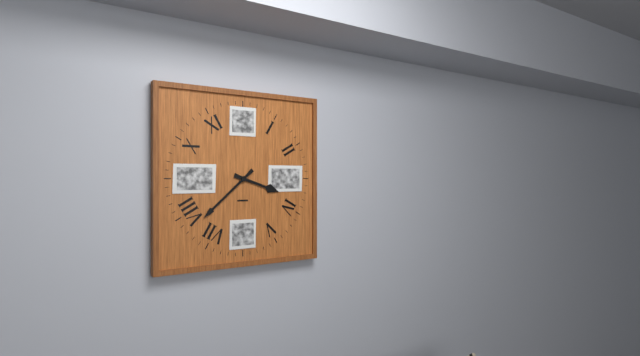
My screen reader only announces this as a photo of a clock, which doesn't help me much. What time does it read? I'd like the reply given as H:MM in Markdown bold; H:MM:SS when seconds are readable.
**3:38**
